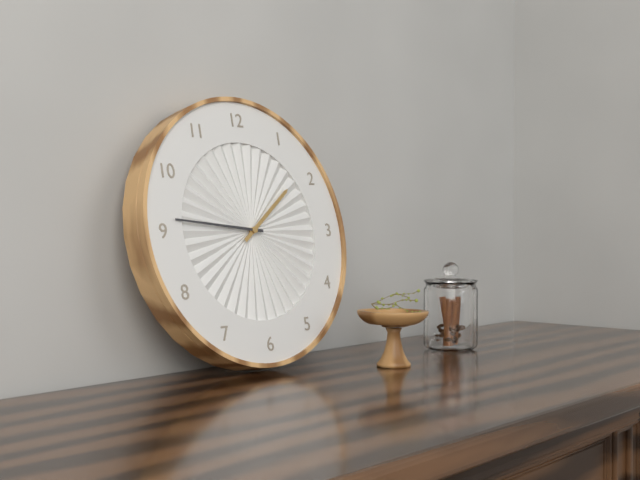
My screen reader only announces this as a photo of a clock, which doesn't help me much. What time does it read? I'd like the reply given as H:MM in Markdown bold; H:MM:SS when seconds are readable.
**1:46**
